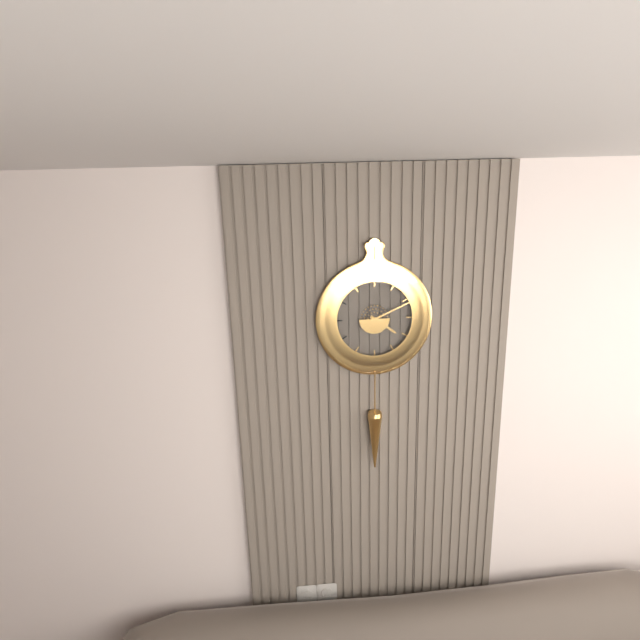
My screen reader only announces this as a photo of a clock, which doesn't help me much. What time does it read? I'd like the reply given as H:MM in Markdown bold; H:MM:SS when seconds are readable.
**4:11**
